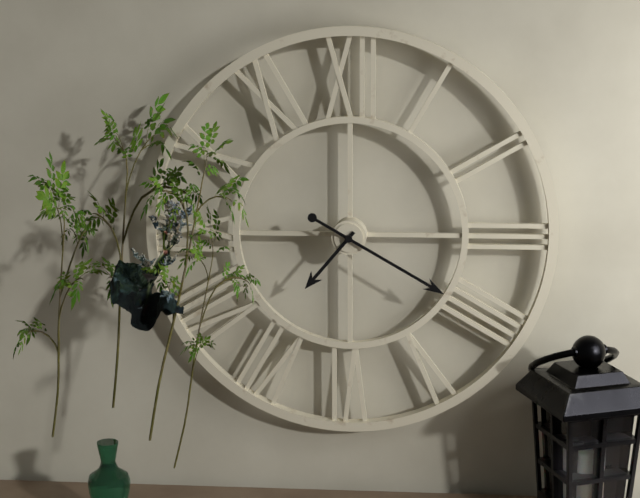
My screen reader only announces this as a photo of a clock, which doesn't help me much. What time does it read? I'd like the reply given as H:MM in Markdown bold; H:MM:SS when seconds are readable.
**7:20**
